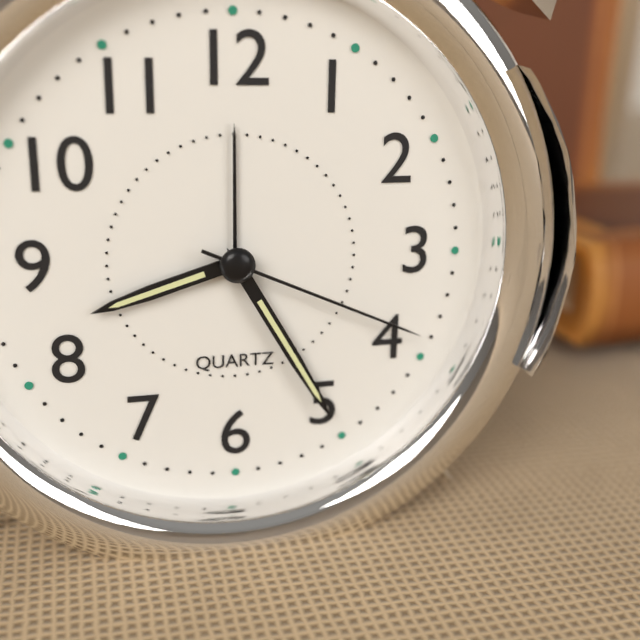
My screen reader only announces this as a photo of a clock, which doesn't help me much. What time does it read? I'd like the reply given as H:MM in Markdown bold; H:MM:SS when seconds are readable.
**8:25:19**
